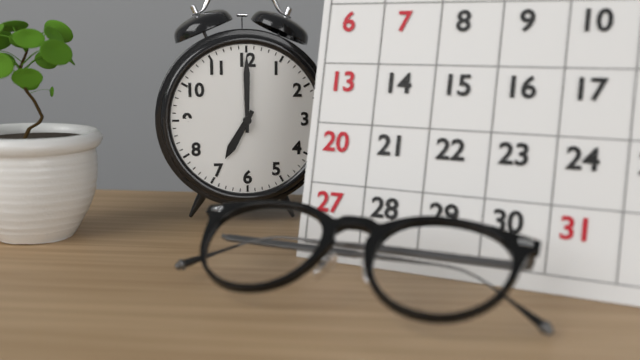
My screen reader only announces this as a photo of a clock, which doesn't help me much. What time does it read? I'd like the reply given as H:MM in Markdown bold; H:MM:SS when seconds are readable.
**7:00**
